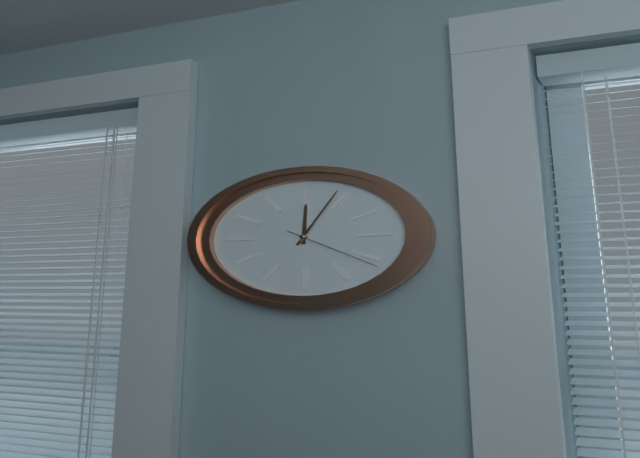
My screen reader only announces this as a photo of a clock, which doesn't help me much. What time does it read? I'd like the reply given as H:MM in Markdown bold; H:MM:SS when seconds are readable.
**12:04:21**
